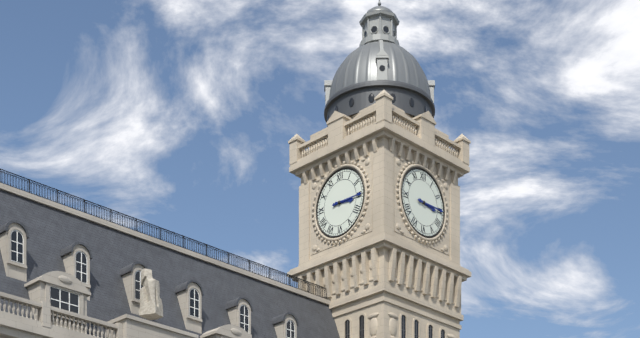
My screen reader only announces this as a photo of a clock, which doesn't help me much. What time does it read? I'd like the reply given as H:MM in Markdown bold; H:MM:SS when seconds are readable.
**3:15**
